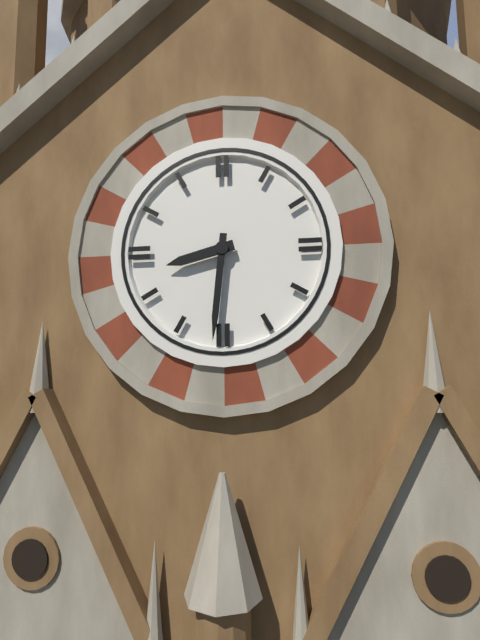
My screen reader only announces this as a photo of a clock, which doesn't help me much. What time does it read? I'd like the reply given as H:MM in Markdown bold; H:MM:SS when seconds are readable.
**8:31**
